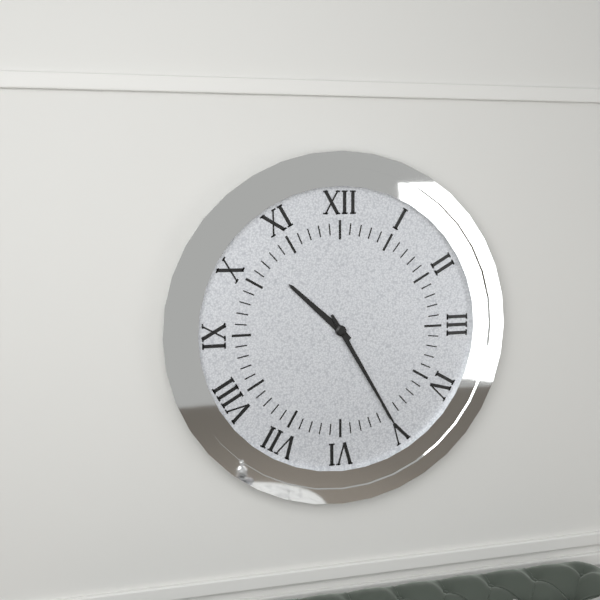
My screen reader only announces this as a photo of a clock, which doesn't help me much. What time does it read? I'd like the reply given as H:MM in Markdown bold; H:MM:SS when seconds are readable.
**10:25**
